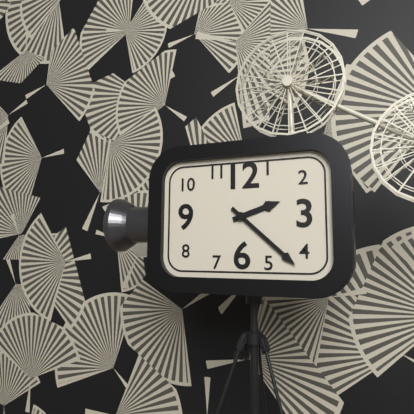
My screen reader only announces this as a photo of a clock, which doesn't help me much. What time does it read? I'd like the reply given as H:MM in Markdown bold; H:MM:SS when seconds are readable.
**2:22**
